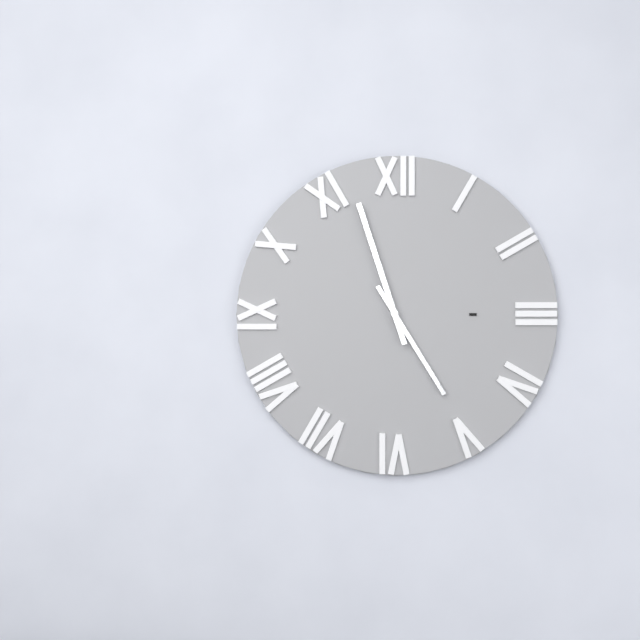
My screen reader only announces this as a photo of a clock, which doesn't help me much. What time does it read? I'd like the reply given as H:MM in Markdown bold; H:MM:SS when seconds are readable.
**4:57**
